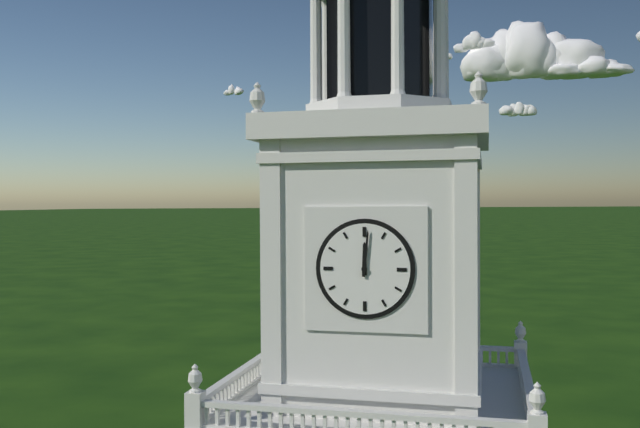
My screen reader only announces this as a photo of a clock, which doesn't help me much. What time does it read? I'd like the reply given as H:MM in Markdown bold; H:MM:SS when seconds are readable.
**12:01**
